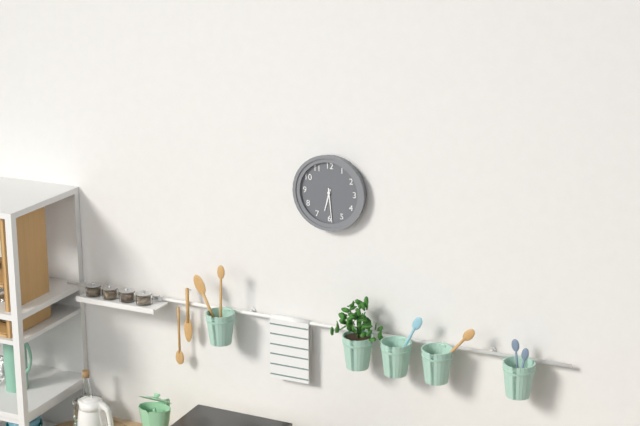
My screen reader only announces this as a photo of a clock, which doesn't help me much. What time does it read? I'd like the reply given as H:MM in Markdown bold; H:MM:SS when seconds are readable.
**6:29**
